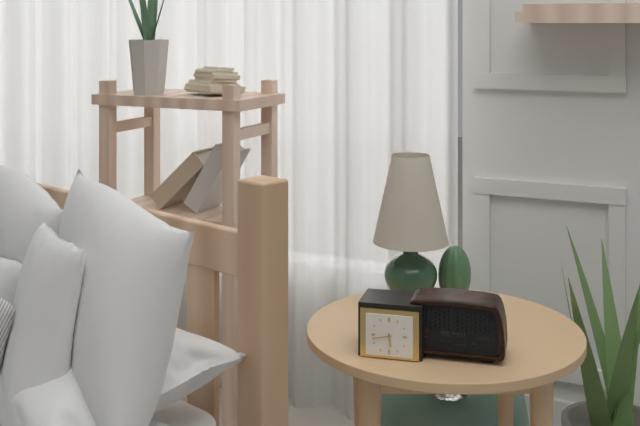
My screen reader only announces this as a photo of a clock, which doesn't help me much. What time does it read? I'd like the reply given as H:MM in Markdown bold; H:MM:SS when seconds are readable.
**5:43**
